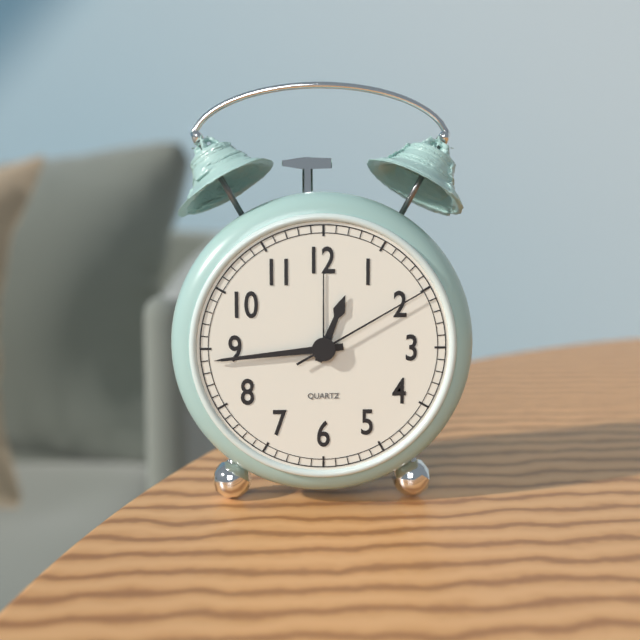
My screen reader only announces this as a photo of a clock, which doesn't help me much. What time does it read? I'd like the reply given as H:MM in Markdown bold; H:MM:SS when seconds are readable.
**12:44:10**
